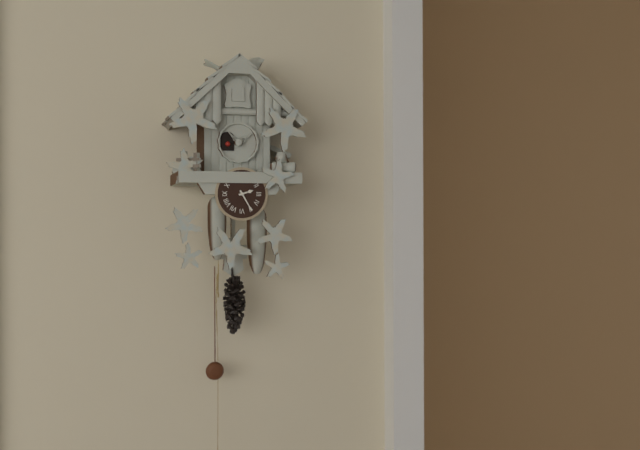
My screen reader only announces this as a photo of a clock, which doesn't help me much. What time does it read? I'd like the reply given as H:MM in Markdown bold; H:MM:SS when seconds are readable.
**2:25**
